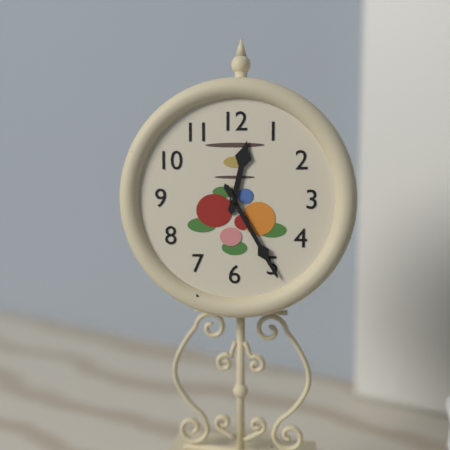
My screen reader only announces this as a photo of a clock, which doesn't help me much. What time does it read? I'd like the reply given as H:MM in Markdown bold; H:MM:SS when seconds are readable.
**12:25**
